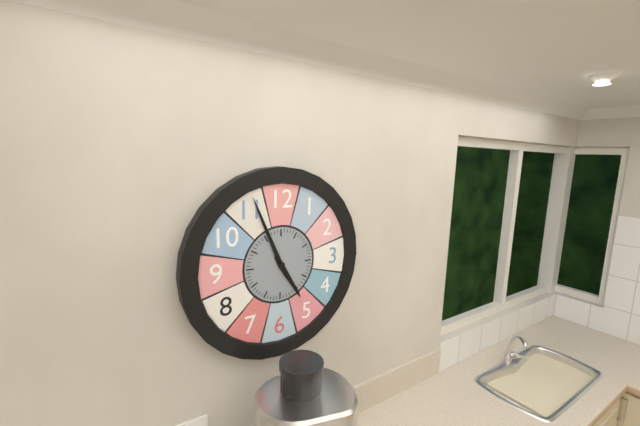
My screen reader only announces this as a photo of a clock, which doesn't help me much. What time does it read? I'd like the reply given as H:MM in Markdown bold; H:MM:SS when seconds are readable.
**4:56**
